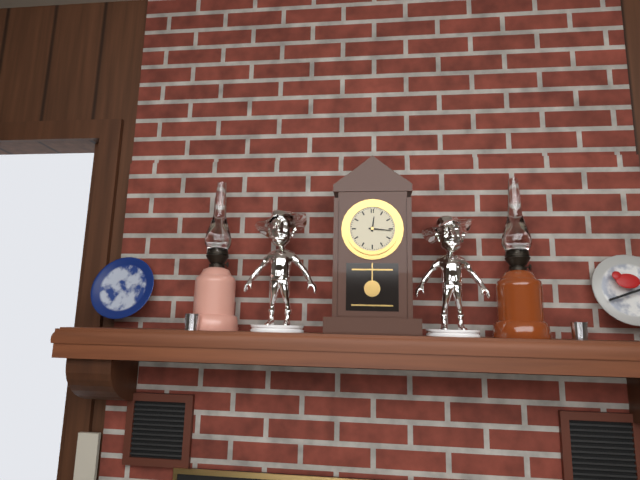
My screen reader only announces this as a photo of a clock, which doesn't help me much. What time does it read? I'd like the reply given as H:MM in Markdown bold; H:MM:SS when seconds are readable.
**12:16**
